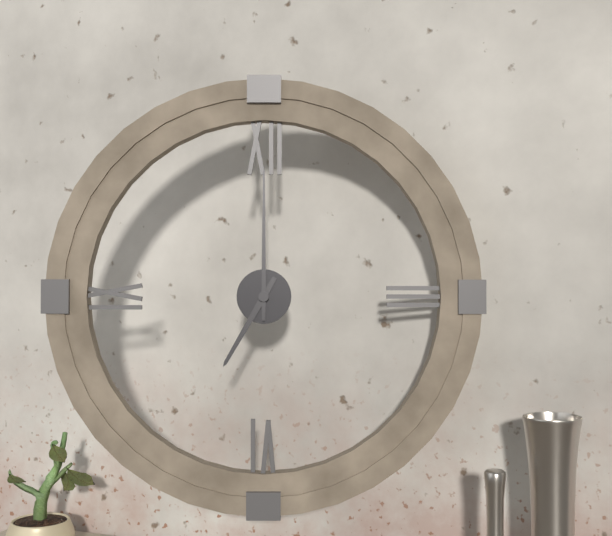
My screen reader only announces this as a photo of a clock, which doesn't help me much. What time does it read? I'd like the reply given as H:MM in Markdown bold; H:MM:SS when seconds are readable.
**7:00**
